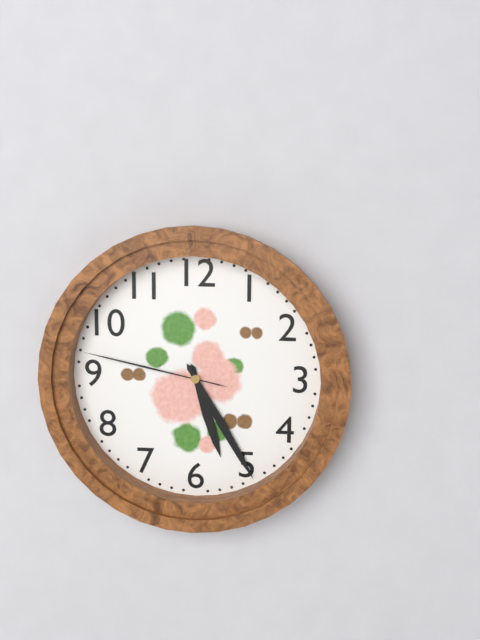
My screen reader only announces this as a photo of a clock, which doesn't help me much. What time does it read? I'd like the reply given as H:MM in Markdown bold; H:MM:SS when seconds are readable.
**5:25:47**
